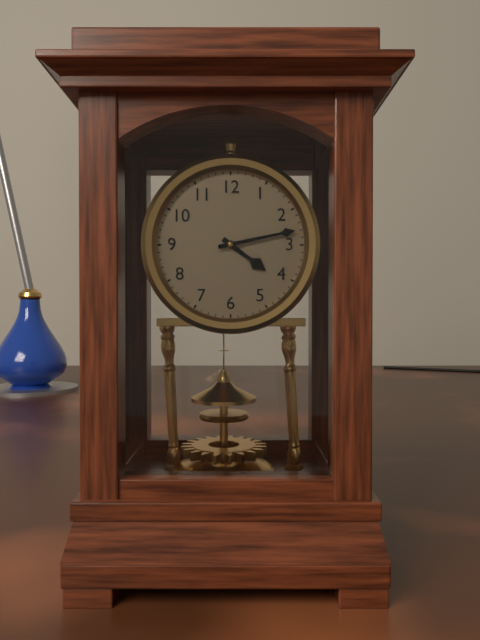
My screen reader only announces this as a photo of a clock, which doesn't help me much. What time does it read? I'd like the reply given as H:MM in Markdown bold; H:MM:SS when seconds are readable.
**4:13**
